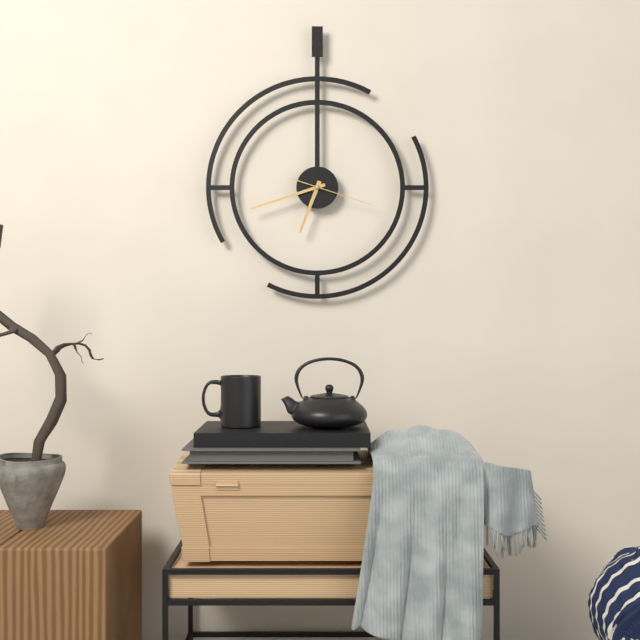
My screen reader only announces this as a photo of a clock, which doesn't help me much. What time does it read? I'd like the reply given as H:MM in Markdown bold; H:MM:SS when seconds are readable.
**6:42:18**
